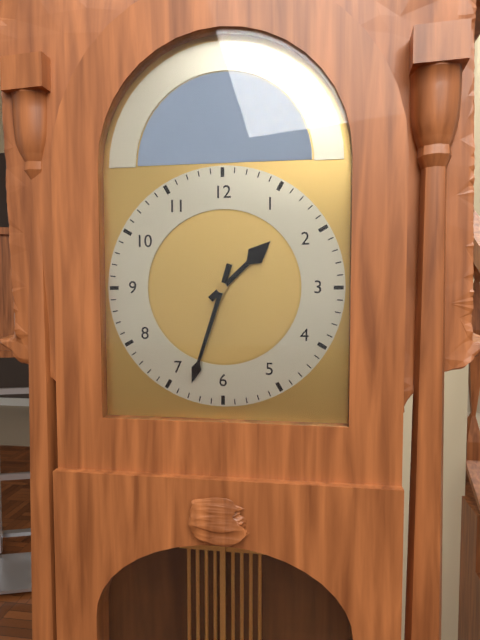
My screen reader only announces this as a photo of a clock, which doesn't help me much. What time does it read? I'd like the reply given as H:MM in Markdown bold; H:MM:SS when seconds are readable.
**1:33**
